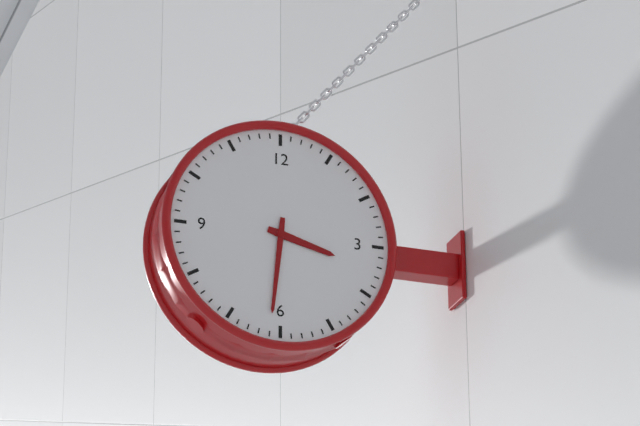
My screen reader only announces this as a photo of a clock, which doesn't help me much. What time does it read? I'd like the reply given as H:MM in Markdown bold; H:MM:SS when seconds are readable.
**3:31**
